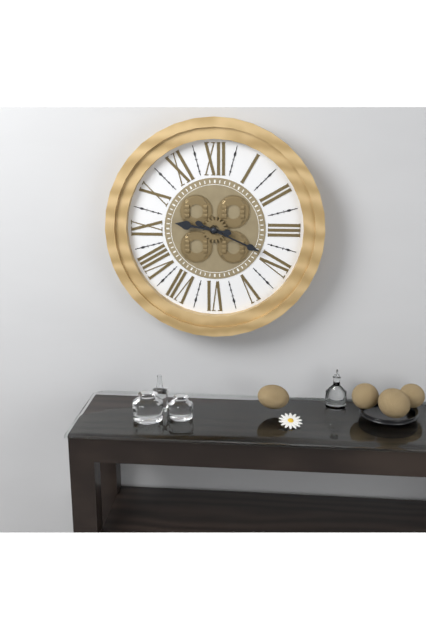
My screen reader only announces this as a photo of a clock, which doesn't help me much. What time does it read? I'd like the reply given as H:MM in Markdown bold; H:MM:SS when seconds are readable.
**9:19**
